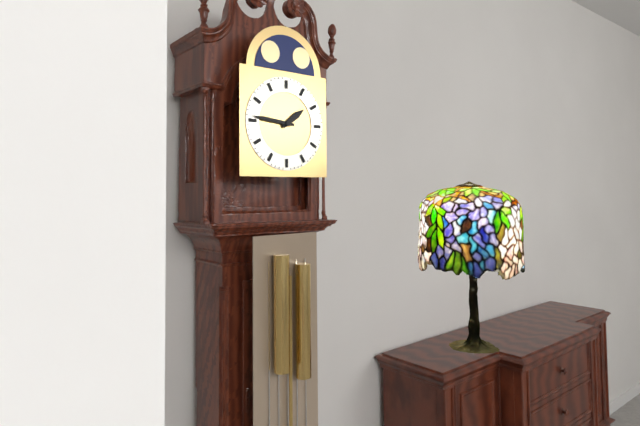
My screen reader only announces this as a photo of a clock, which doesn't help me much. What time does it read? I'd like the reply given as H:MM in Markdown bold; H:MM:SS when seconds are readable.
**1:46**
